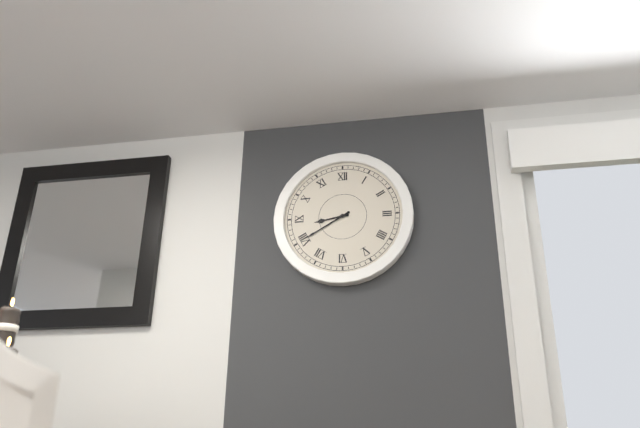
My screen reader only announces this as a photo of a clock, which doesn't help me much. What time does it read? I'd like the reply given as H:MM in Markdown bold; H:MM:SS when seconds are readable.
**8:40**
